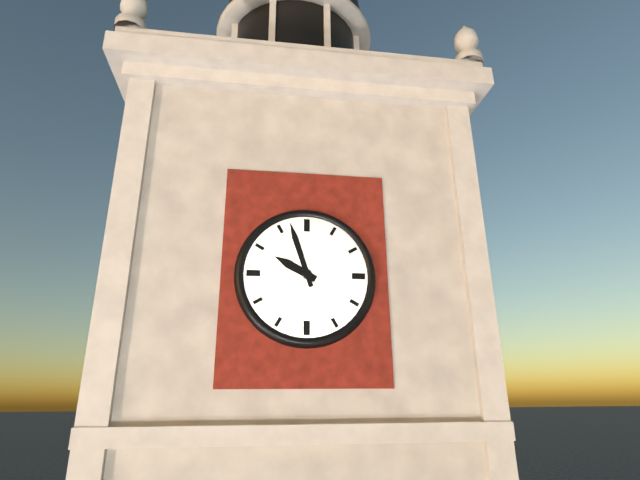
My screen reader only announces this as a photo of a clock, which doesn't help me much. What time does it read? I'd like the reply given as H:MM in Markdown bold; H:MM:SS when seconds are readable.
**9:57**
